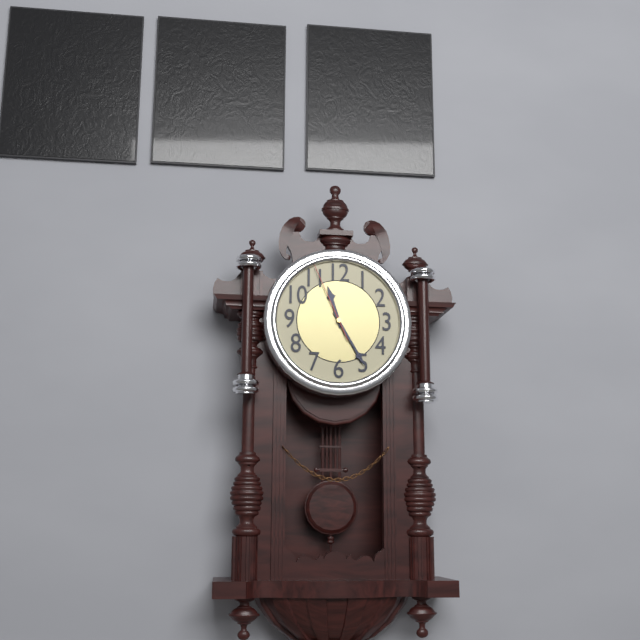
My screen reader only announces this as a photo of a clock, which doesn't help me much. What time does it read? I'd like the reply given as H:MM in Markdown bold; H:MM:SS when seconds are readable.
**11:25:56**
